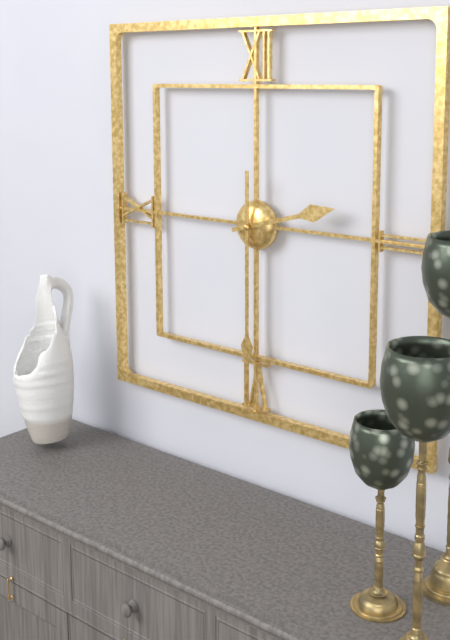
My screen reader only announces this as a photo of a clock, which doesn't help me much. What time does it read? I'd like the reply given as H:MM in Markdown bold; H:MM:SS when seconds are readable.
**2:30**
